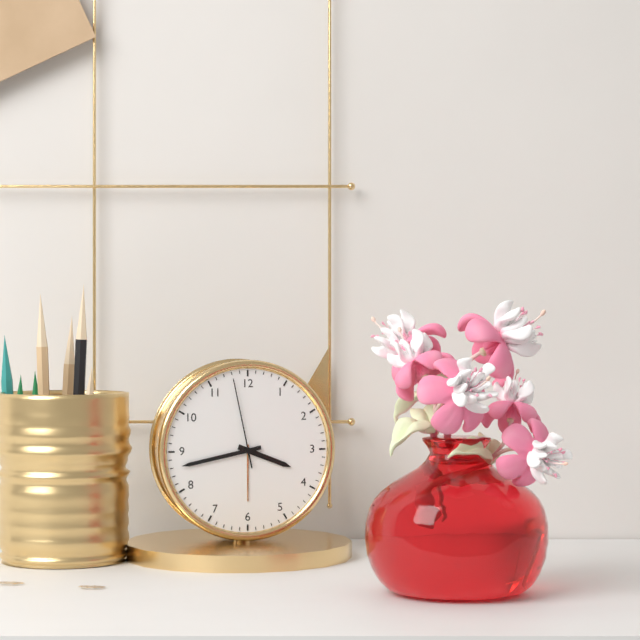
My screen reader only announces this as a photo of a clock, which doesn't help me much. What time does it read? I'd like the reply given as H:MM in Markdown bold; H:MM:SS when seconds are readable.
**3:43:58**
